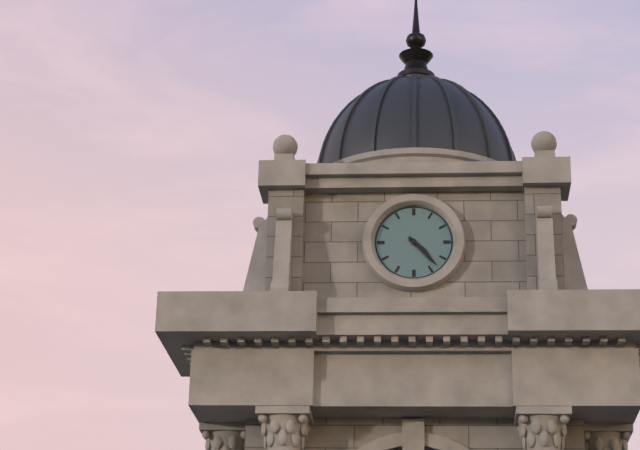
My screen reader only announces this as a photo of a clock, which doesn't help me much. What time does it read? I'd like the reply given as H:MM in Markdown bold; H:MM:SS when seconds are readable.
**4:23**
